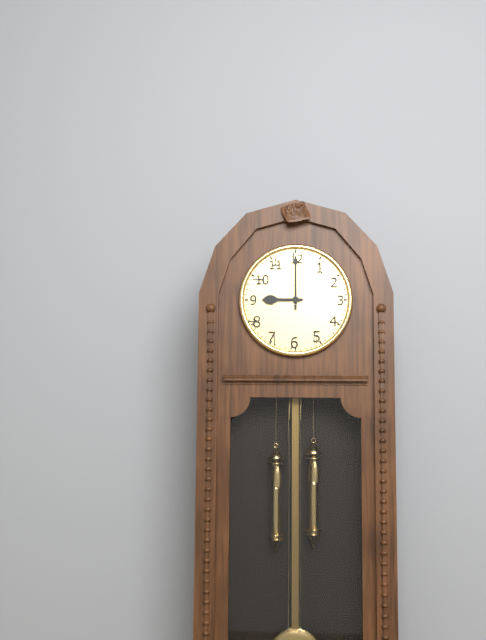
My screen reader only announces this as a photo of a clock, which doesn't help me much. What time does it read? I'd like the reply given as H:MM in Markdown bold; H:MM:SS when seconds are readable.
**9:00**
